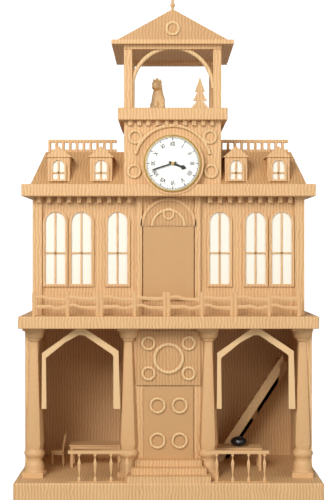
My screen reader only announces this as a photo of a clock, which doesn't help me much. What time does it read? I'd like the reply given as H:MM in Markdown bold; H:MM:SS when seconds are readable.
**3:42**
